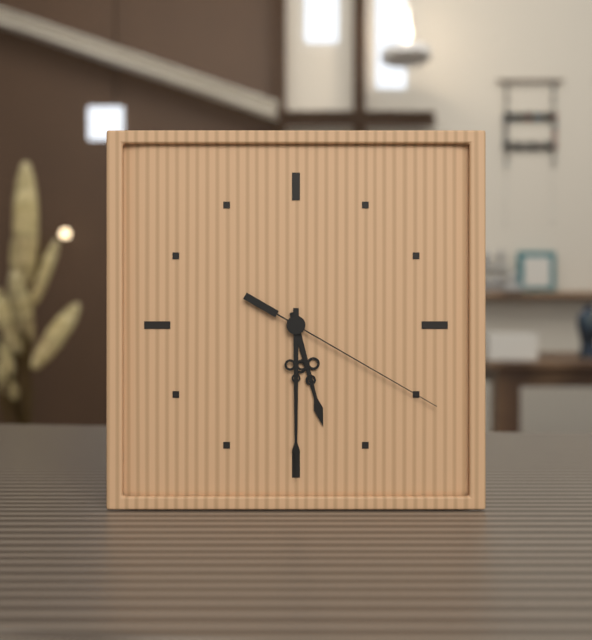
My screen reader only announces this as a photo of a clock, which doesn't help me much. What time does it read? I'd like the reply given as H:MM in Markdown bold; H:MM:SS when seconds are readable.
**5:30:20**
